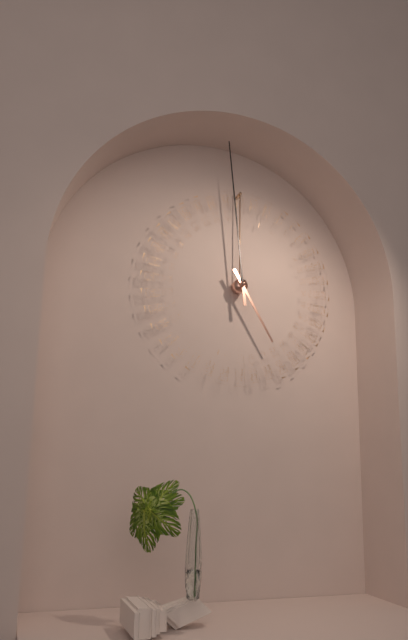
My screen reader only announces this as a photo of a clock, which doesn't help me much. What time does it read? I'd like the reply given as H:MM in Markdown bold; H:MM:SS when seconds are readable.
**4:59**
